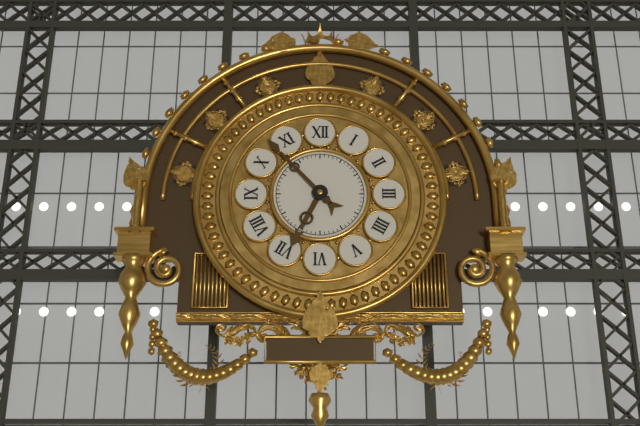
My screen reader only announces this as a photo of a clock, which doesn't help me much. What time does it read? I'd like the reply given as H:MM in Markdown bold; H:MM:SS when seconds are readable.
**6:53**
